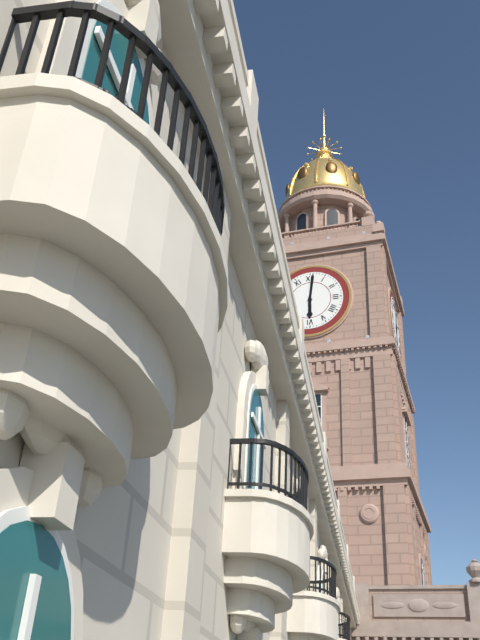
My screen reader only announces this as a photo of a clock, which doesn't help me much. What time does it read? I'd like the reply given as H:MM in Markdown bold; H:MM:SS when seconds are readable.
**6:01**
